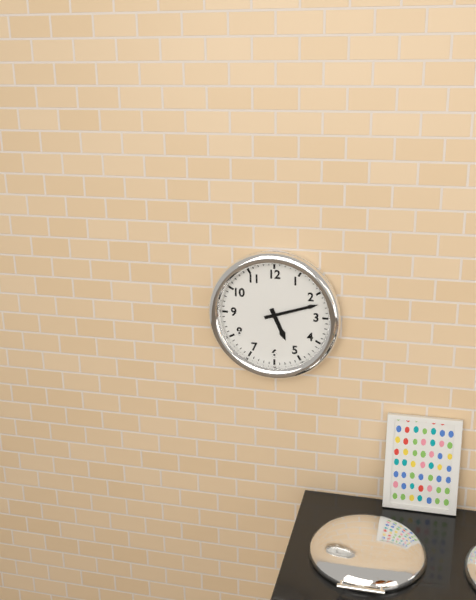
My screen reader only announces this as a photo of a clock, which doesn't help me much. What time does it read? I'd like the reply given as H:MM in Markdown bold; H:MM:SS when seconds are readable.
**5:12**
